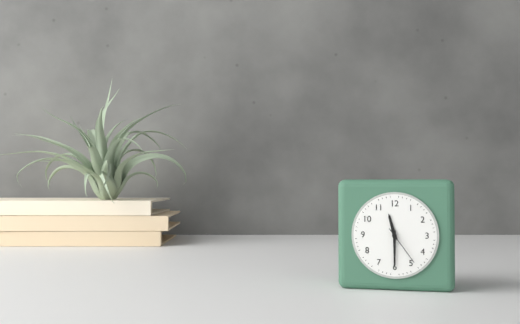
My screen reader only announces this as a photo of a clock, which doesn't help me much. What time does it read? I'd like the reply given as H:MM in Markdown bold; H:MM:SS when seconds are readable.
**11:30**
